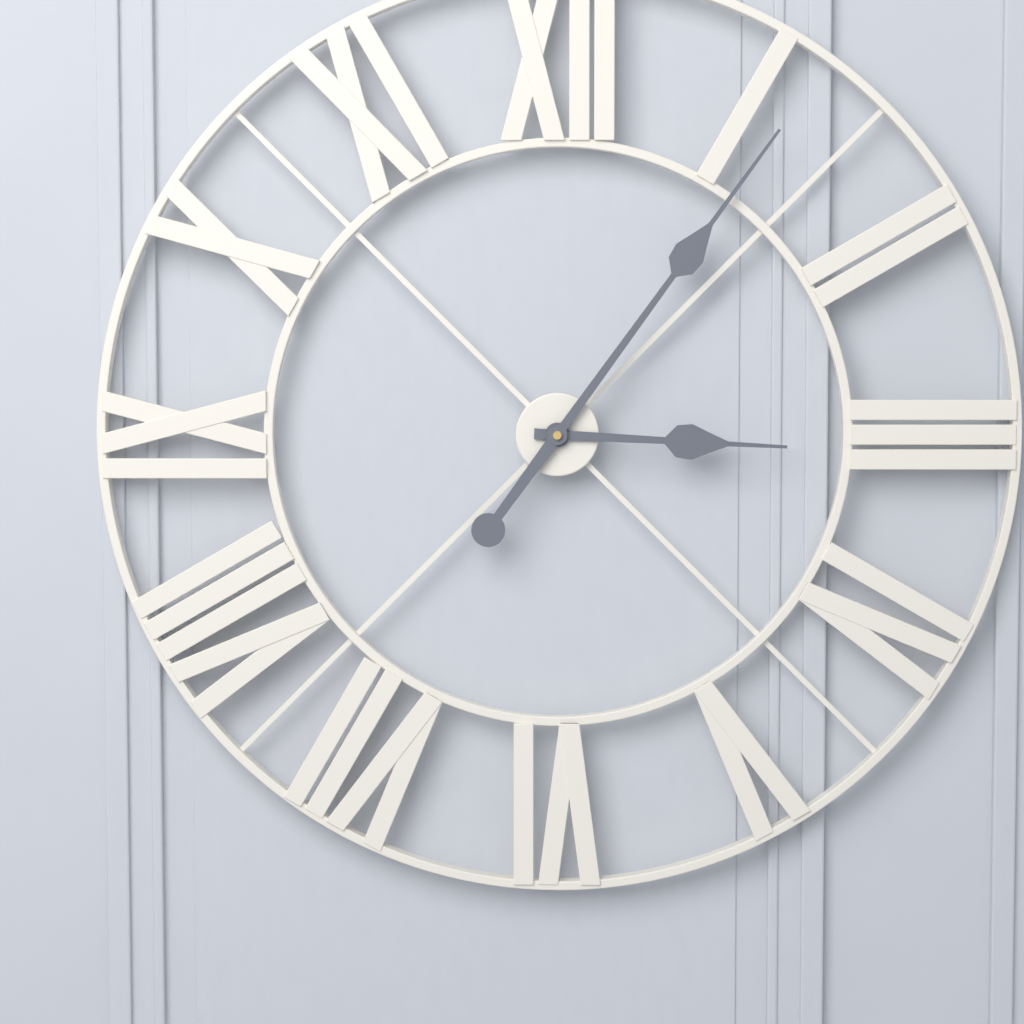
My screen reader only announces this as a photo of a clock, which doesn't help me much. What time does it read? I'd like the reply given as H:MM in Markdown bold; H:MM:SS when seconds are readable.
**3:06**
